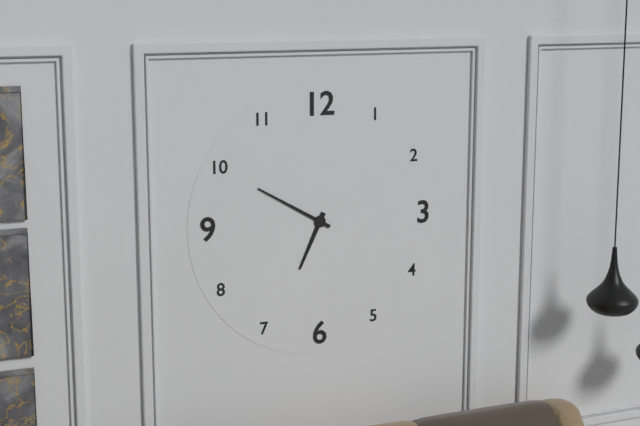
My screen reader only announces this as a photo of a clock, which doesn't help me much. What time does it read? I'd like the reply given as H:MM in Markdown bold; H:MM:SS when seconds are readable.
**6:50**
